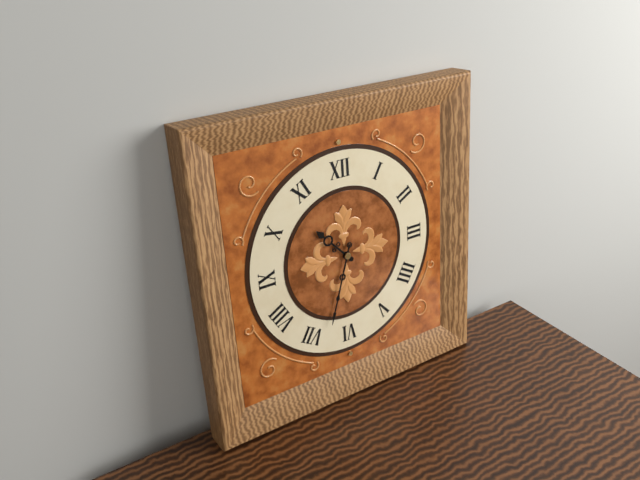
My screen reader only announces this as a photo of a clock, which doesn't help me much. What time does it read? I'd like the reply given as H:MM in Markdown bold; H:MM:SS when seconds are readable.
**10:33**
